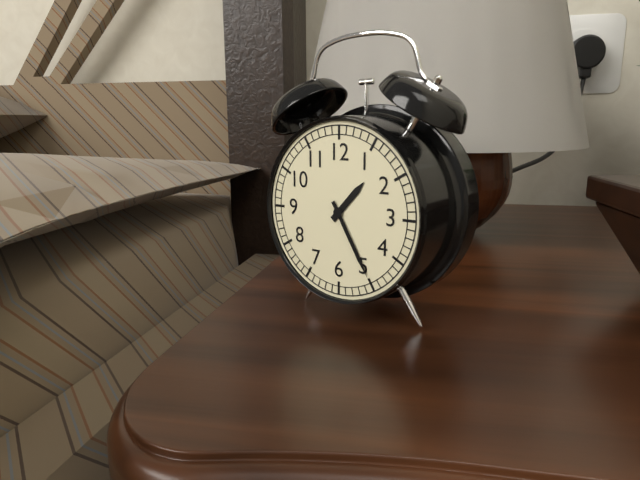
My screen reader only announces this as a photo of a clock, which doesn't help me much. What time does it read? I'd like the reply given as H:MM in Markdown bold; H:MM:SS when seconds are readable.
**1:25**
